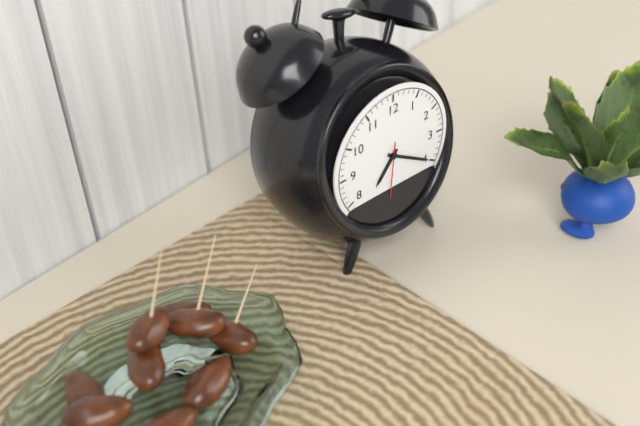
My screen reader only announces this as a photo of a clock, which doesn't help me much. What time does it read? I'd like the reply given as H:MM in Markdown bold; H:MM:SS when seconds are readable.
**7:20:31**
